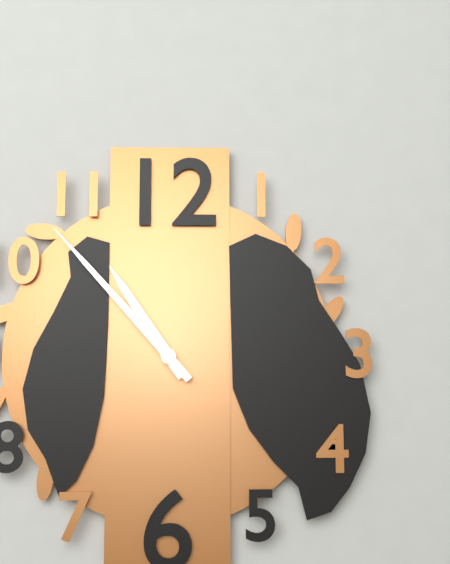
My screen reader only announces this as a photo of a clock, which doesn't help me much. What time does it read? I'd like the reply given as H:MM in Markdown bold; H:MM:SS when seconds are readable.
**10:53**
